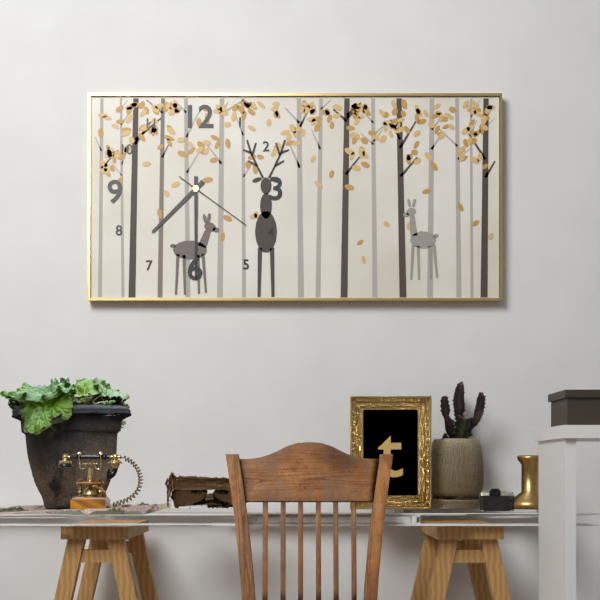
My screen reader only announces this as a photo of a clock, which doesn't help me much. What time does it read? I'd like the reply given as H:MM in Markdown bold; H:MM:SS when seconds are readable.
**7:30:21**
